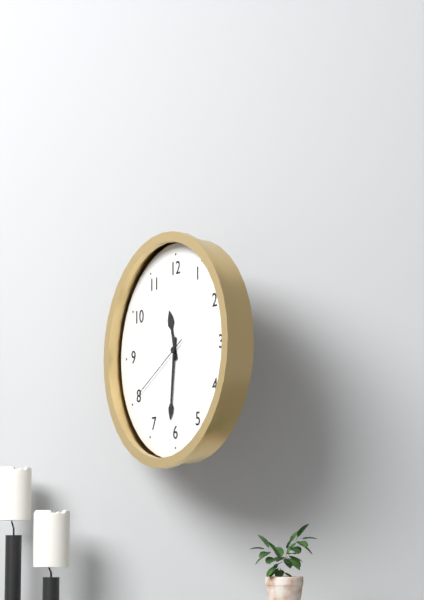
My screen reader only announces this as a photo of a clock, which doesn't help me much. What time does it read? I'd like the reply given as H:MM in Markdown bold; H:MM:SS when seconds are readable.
**11:31:40**
